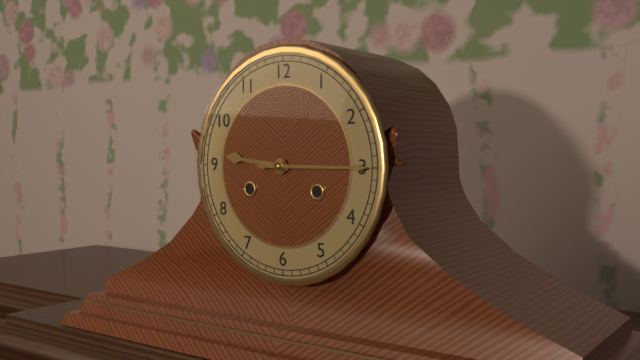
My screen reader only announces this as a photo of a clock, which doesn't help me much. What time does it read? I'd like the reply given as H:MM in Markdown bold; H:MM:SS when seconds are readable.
**9:15**
